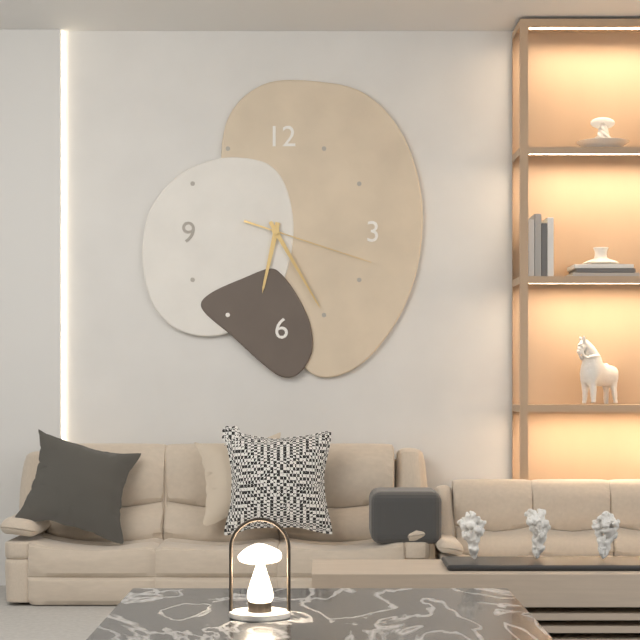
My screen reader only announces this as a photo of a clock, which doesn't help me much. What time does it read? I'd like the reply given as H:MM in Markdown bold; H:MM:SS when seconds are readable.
**6:25:18**
